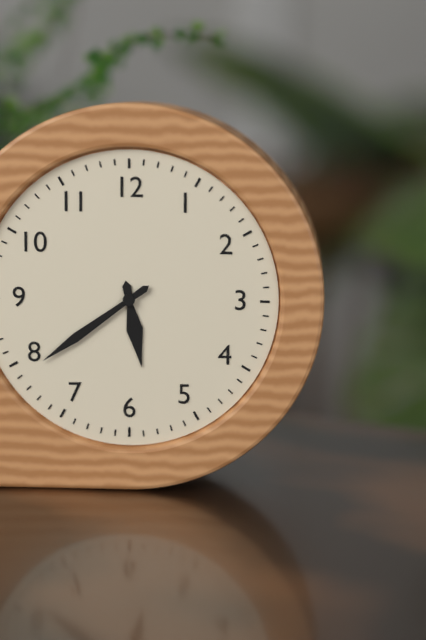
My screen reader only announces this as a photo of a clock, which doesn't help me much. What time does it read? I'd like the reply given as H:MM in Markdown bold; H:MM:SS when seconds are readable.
**5:39**
